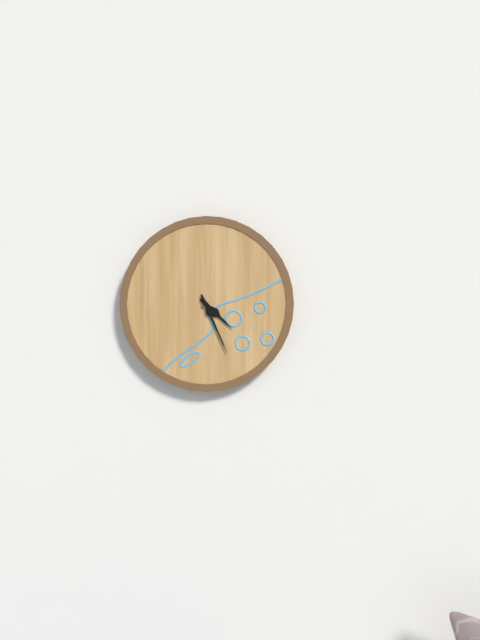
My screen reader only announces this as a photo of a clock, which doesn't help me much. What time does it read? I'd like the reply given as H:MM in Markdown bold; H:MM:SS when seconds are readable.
**4:26**
